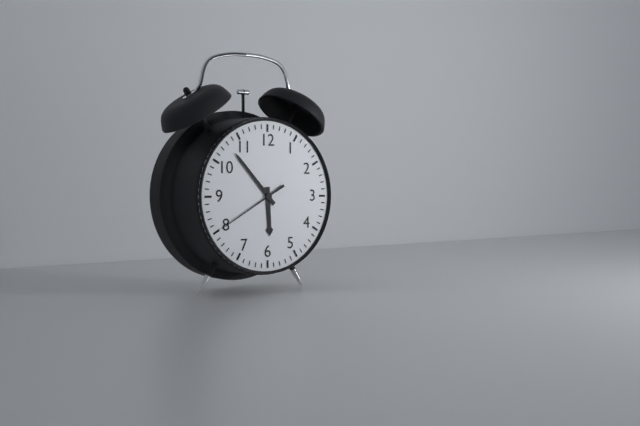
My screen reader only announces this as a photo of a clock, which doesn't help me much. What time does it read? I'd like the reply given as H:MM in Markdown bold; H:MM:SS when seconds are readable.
**5:53:40**
